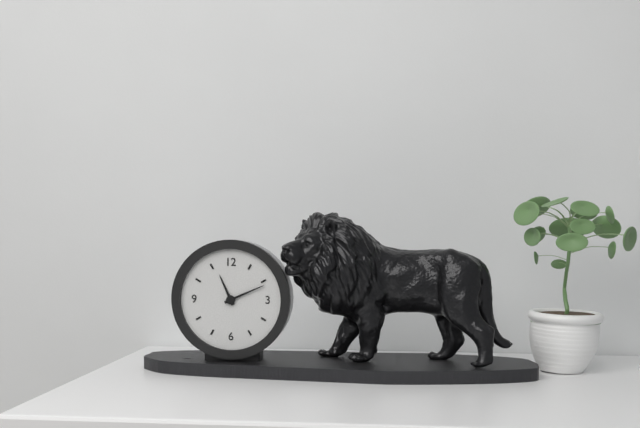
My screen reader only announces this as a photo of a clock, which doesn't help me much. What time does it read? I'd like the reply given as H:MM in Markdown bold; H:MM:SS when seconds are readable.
**11:11**
